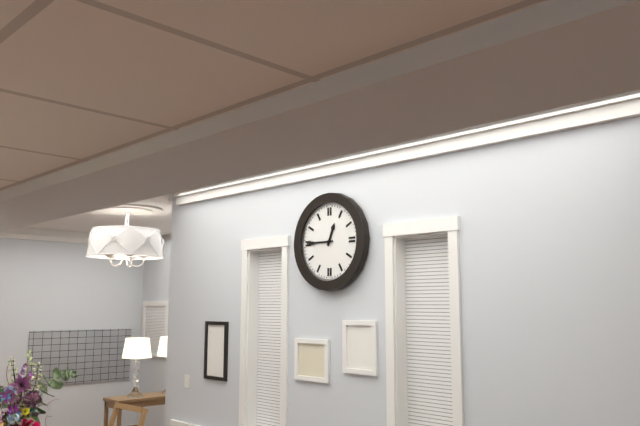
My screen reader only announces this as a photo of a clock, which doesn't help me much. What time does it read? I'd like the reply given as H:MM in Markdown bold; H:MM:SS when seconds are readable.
**12:45**
